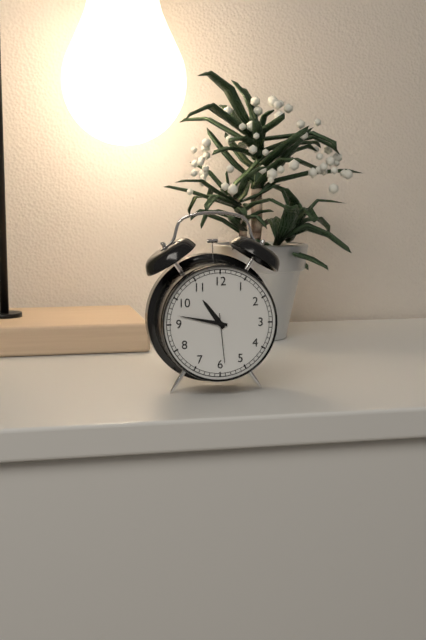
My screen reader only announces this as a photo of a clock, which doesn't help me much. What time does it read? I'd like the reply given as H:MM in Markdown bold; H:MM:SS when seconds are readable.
**10:47**
